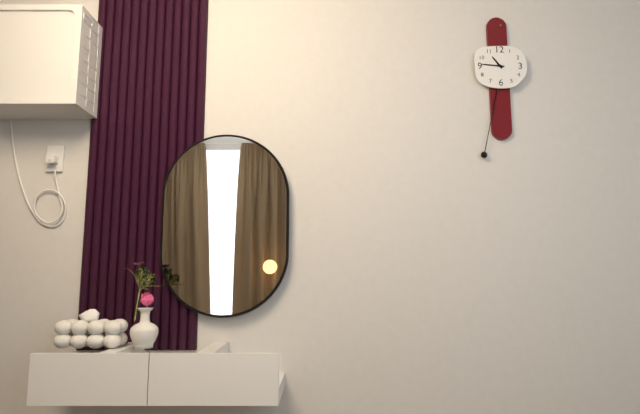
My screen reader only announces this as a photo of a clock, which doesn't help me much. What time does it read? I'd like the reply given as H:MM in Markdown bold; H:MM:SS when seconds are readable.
**10:46**
